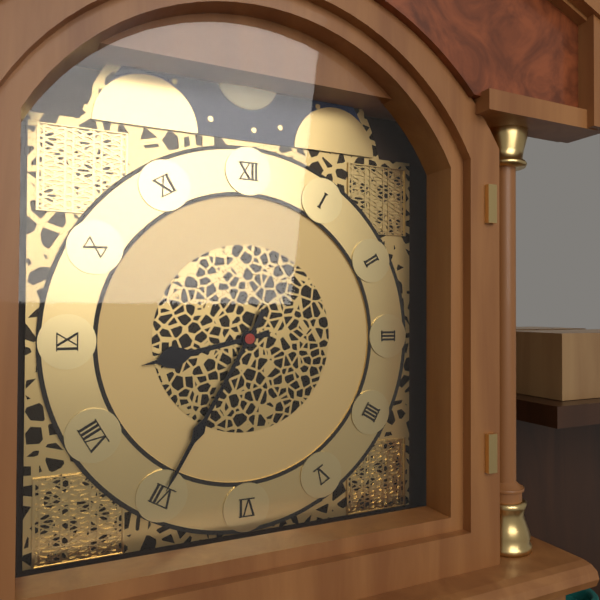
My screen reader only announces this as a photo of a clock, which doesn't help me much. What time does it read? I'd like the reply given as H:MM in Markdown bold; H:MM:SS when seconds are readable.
**8:35**
